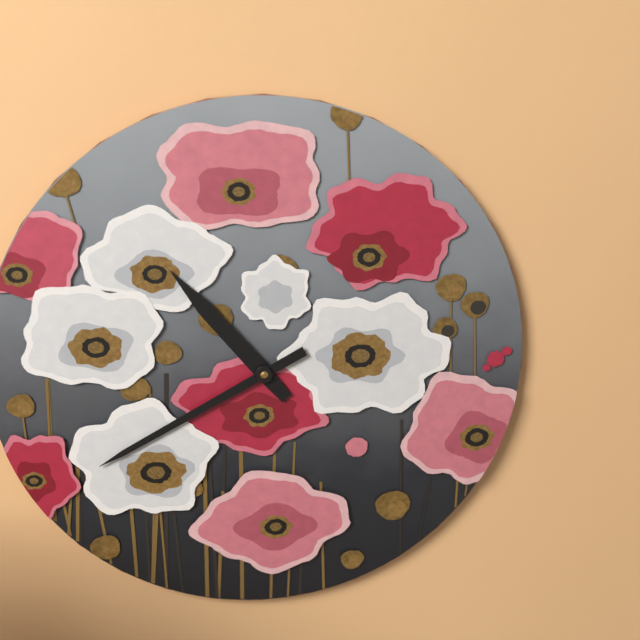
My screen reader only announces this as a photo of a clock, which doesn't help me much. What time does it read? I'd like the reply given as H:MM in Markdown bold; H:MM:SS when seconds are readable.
**10:40**
